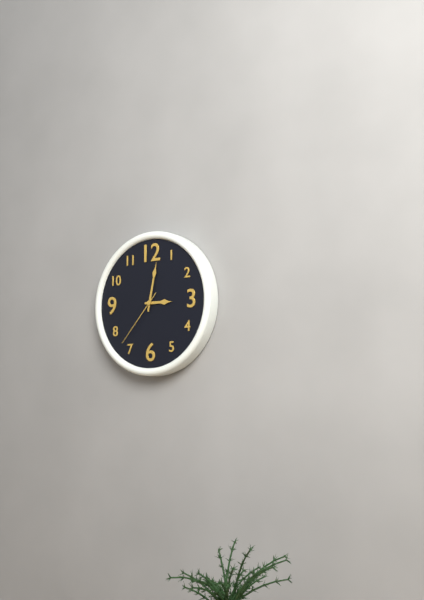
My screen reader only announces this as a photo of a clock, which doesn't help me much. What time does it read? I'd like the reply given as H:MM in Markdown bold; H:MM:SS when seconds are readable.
**3:02:37**
